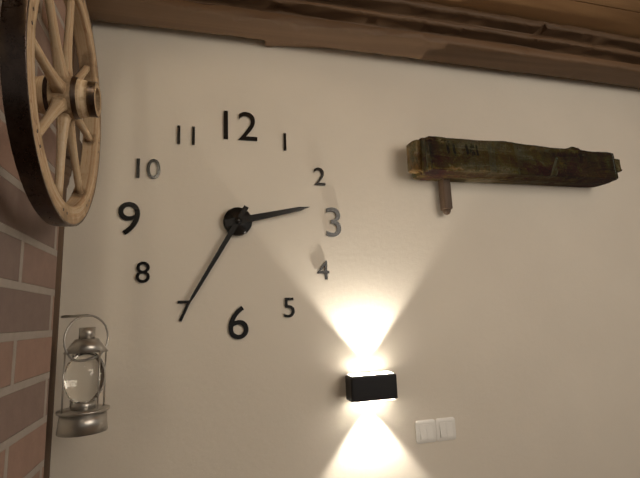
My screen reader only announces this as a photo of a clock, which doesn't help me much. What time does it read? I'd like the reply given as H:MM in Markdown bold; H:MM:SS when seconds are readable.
**2:35**
